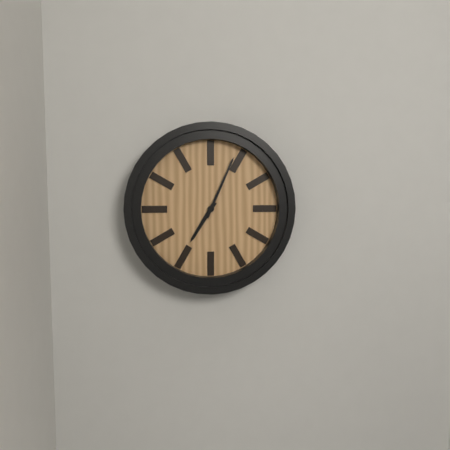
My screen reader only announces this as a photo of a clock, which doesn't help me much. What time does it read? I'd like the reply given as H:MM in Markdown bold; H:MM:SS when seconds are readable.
**7:04**
